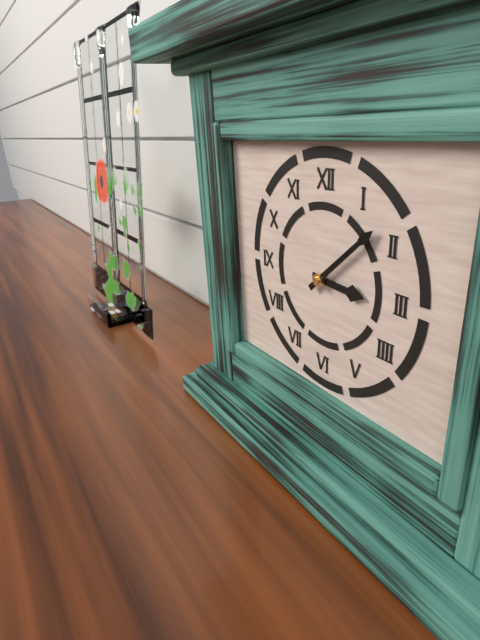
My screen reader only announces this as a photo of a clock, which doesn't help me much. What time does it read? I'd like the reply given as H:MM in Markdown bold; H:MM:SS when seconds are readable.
**3:08**
